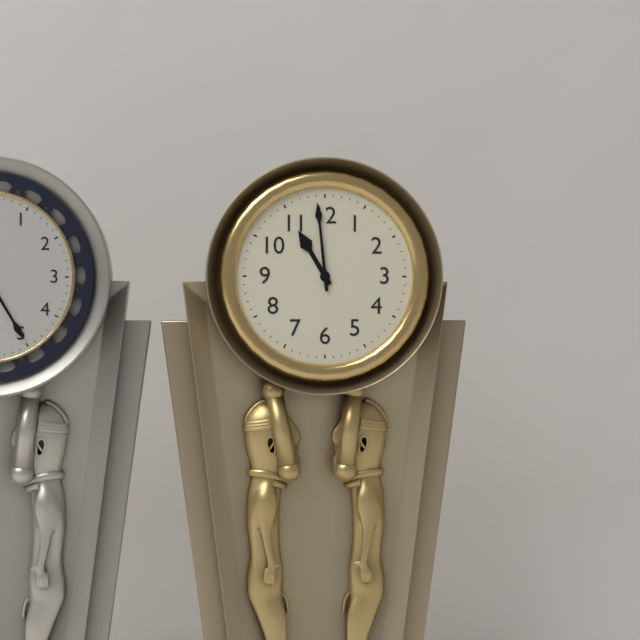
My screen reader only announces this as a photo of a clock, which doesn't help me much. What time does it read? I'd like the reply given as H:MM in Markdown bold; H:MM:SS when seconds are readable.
**10:59**
